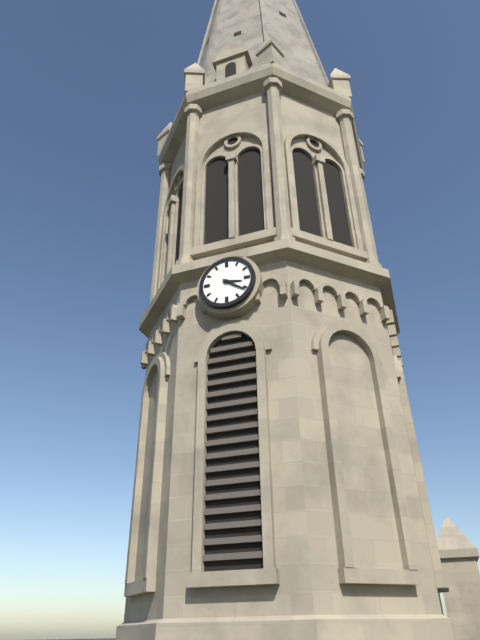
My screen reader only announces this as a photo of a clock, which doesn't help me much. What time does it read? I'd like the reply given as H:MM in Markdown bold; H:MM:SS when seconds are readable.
**3:21**
